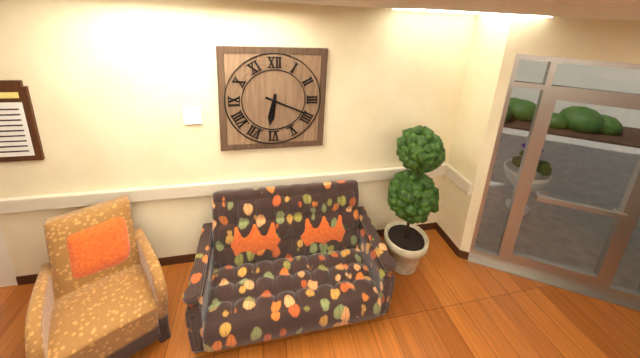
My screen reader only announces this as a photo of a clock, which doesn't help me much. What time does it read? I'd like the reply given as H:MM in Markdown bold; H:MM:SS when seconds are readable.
**6:19**
